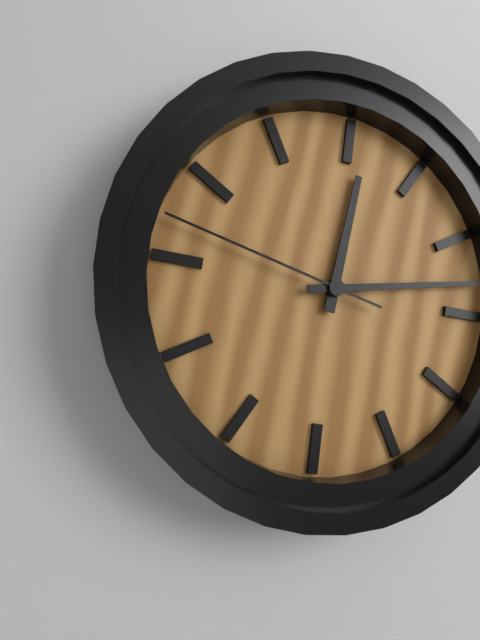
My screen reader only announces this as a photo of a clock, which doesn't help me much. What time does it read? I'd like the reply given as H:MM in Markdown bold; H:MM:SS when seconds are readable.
**12:13:47**
